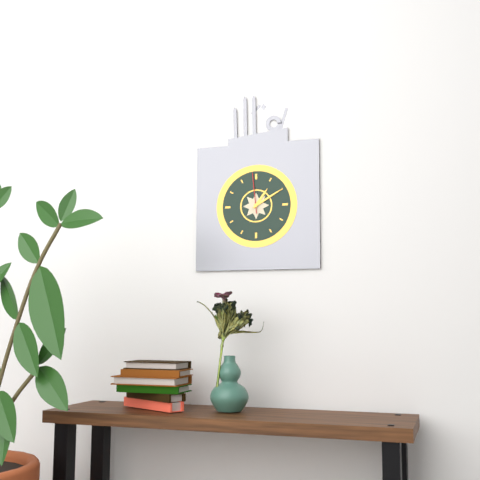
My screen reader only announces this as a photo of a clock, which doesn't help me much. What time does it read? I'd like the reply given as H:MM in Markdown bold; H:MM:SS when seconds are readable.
**1:10**
